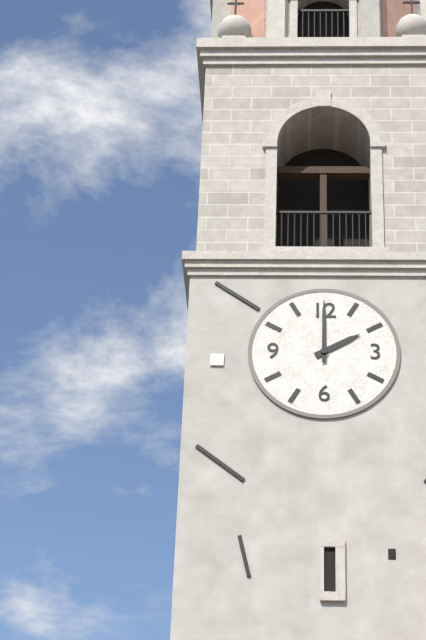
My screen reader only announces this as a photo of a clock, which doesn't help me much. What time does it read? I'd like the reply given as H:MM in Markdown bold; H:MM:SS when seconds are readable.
**2:00**
